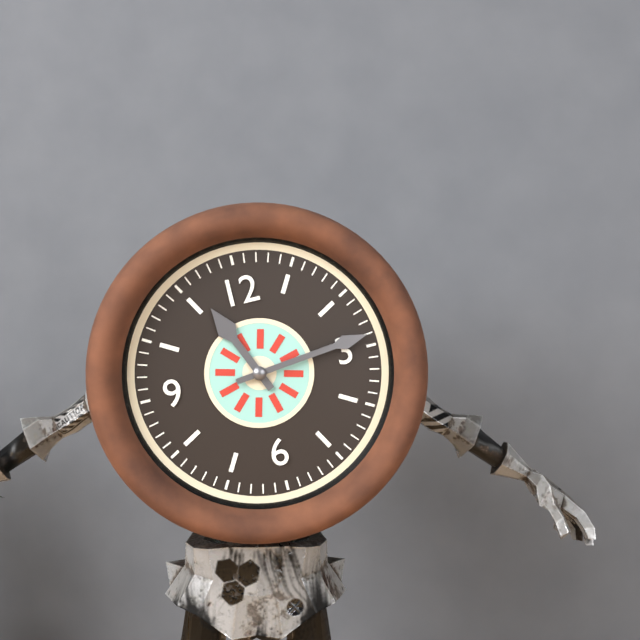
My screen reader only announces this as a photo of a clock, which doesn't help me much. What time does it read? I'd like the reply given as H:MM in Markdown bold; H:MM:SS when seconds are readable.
**11:14**
